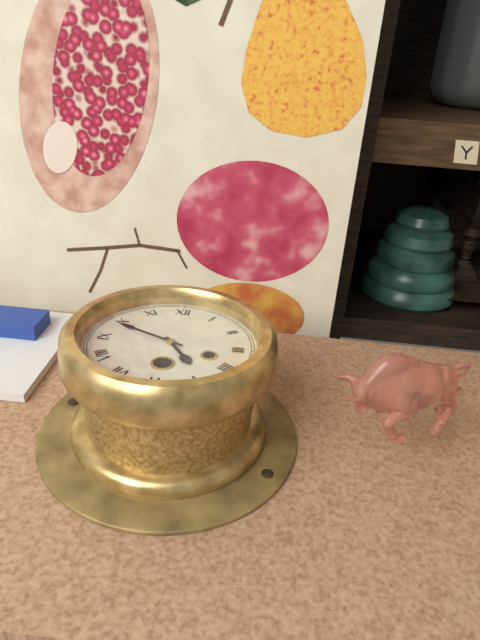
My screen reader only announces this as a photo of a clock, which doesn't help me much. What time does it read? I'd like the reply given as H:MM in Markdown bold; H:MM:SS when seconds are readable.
**4:49**
